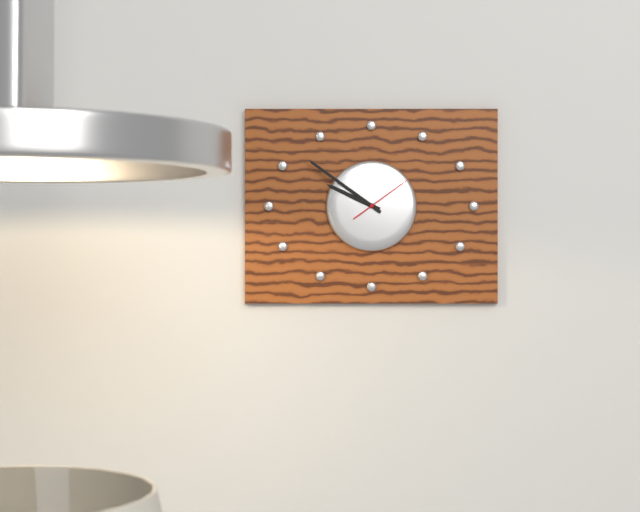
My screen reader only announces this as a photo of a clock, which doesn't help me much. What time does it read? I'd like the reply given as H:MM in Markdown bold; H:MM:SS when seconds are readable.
**9:51:09**
